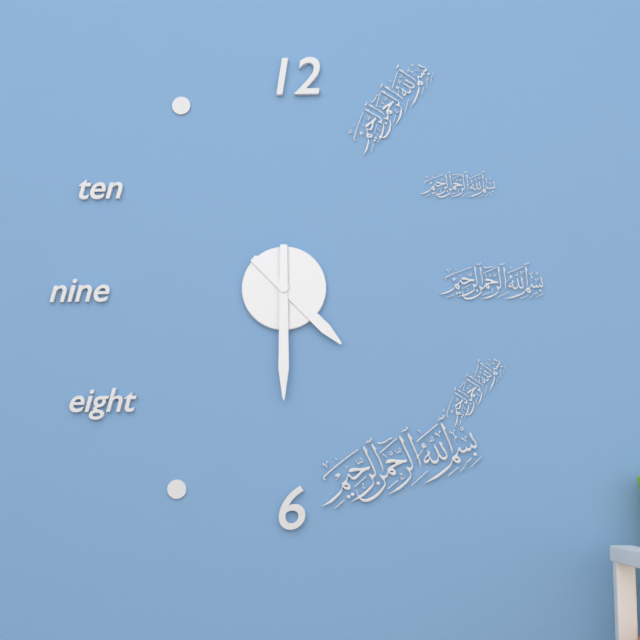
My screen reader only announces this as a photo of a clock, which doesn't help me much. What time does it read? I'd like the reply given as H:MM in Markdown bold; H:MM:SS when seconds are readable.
**4:30**
